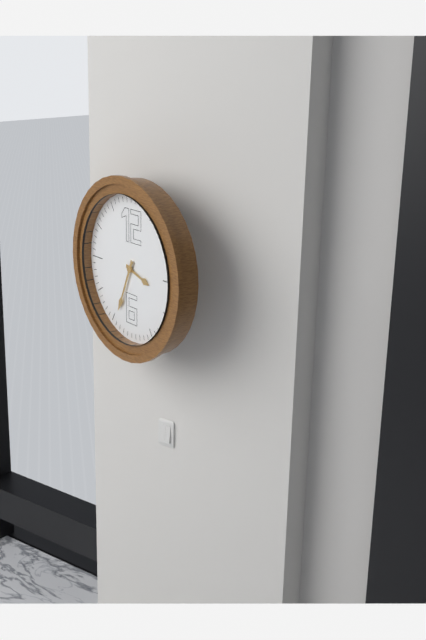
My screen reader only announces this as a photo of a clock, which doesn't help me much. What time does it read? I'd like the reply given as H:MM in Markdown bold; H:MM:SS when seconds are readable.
**3:34**
